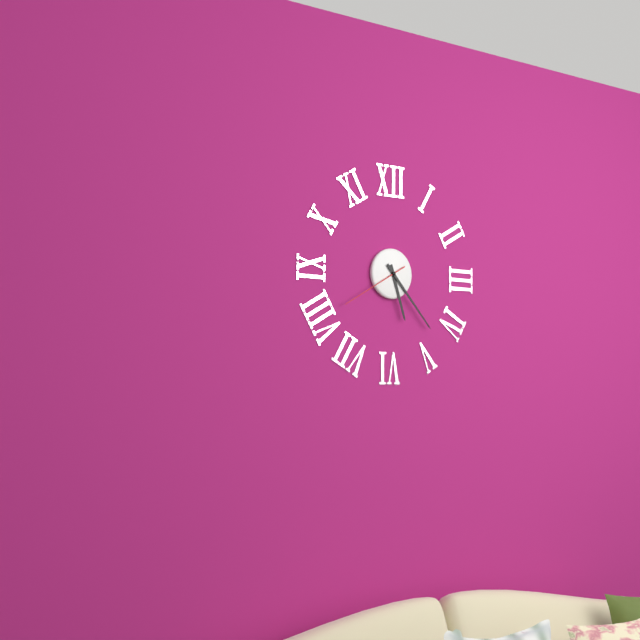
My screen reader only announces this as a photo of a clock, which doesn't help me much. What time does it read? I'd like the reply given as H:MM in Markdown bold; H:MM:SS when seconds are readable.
**5:23:40**
